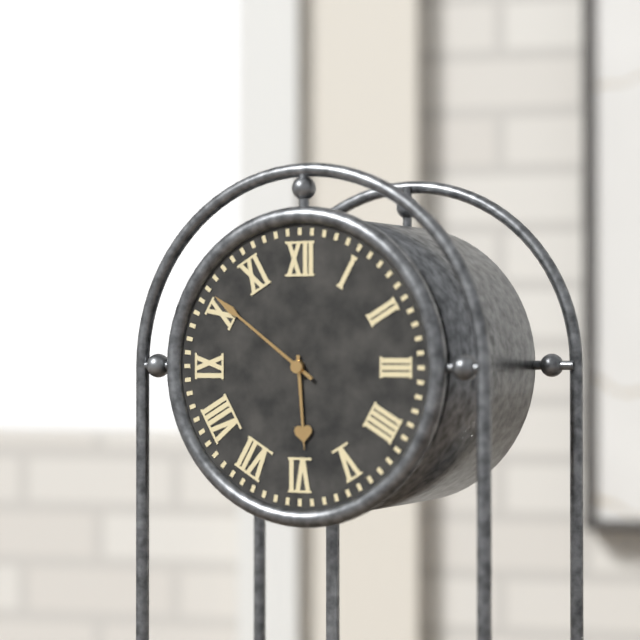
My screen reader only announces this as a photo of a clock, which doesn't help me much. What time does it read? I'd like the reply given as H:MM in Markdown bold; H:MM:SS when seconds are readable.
**5:51**
